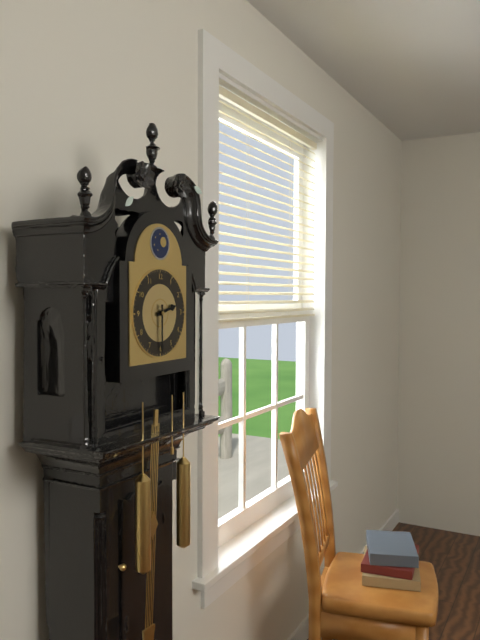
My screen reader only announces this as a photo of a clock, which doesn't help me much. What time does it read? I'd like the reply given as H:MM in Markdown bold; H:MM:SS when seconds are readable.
**2:30**
